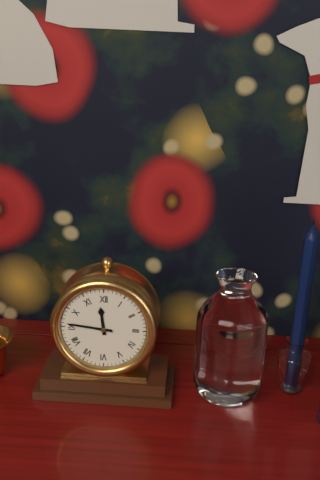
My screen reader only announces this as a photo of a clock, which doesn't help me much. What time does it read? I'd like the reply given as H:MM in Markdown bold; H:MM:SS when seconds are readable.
**11:46**
